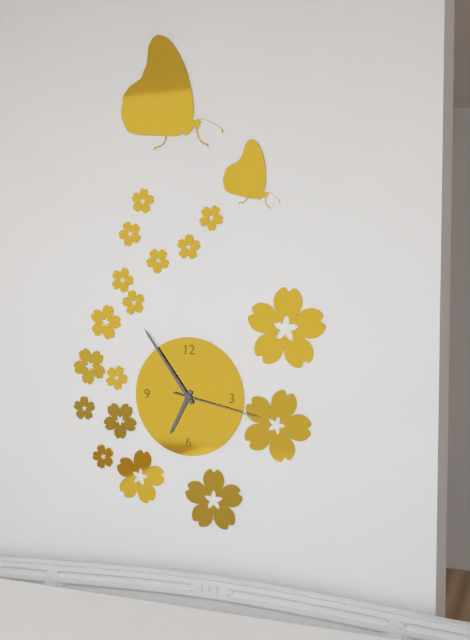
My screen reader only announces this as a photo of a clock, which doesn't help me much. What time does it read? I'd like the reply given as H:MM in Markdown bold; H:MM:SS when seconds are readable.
**6:54:17**
